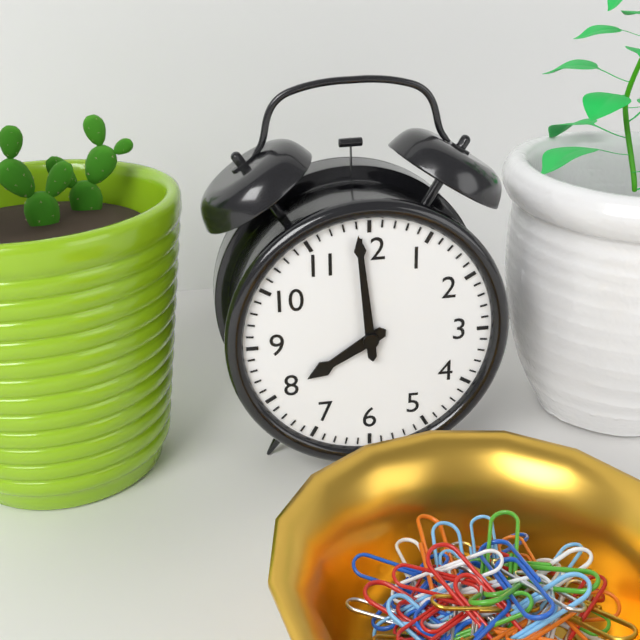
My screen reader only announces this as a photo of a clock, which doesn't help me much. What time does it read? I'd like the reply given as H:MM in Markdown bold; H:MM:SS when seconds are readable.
**7:59**
